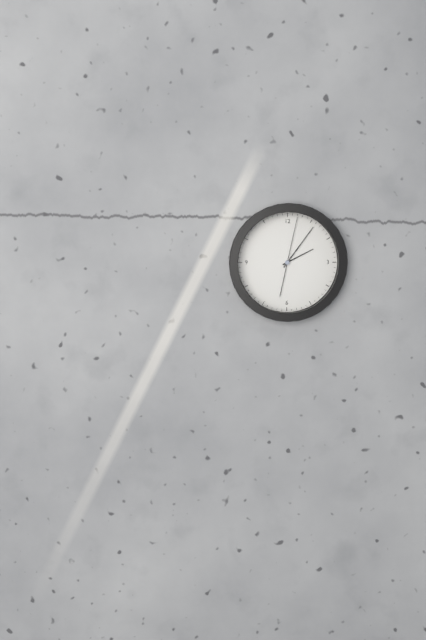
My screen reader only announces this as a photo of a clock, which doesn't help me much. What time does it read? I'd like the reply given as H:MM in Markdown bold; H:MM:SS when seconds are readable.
**2:06:02**
